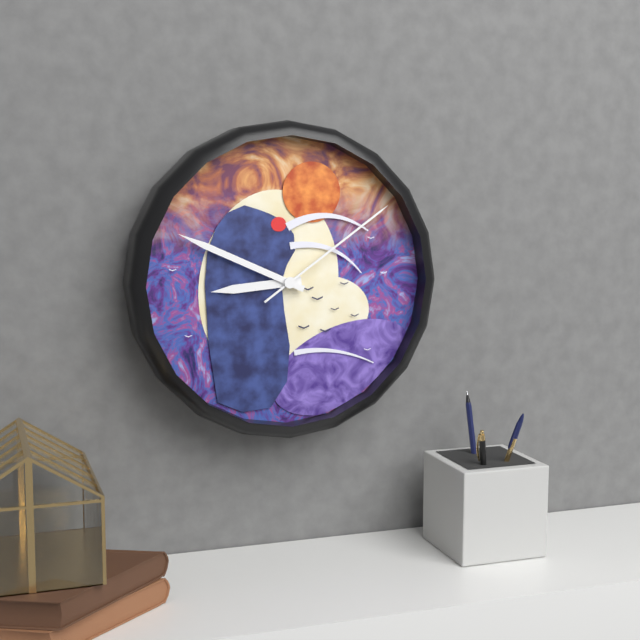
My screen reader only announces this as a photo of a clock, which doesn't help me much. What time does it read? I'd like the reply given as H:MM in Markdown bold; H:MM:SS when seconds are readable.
**8:49:09**
